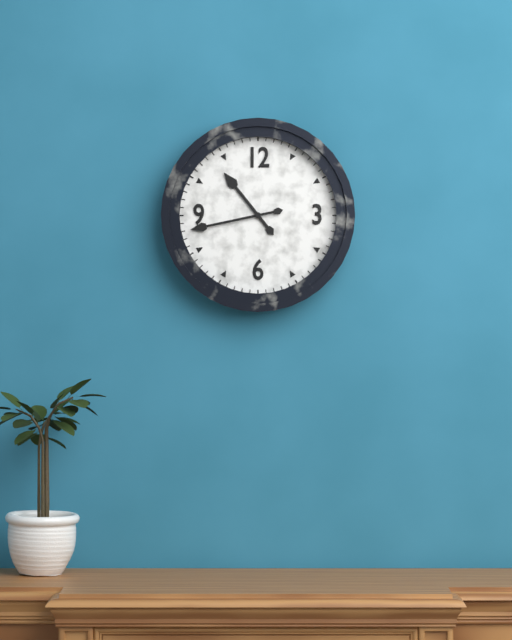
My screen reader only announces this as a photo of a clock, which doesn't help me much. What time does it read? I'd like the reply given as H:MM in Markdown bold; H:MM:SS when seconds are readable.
**10:43**
